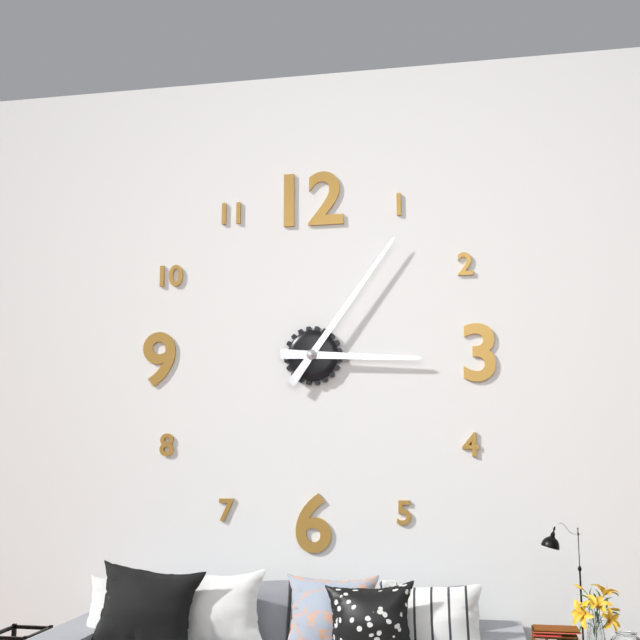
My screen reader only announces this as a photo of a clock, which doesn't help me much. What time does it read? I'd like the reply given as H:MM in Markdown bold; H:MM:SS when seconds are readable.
**3:06**
